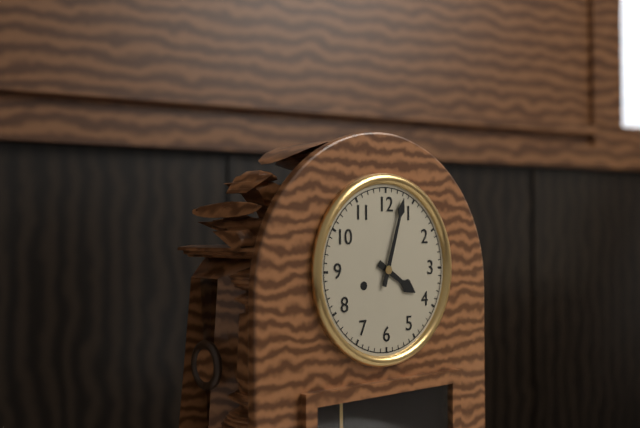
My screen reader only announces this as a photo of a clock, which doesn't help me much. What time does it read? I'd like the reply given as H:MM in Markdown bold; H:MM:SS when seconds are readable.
**4:03**
